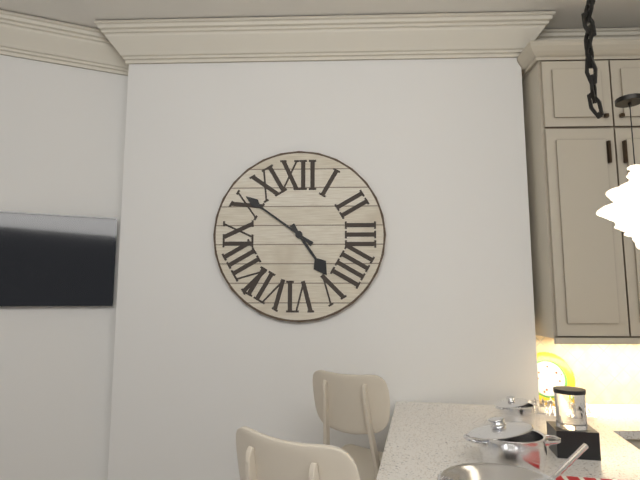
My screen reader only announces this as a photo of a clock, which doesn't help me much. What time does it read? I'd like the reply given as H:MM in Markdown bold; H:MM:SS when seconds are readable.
**4:51**
